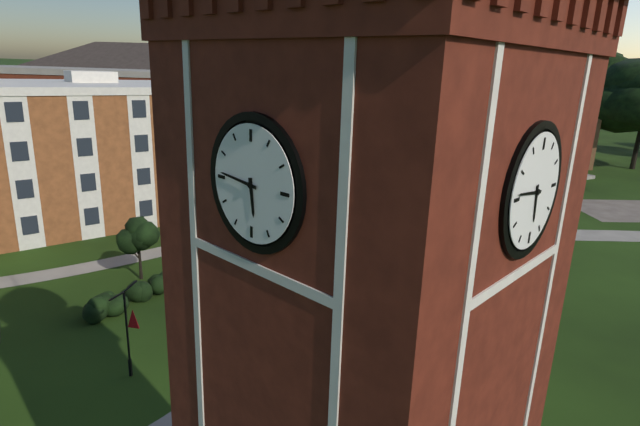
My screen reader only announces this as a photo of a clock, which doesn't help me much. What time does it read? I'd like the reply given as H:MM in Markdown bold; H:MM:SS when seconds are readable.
**5:46**
